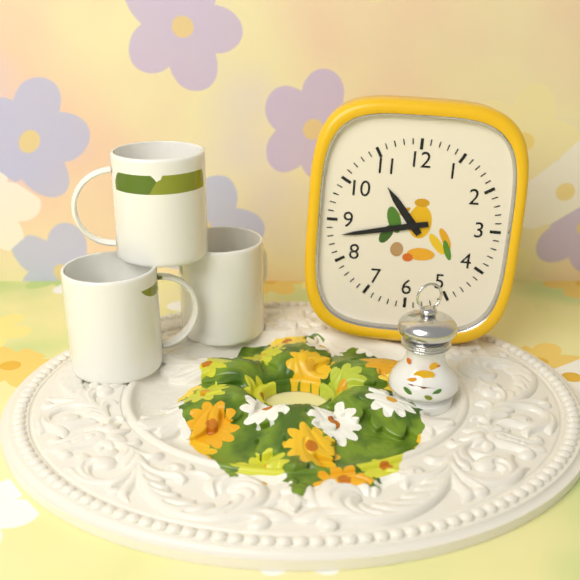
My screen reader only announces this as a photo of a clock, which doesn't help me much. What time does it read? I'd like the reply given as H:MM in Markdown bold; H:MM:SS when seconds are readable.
**10:43**
